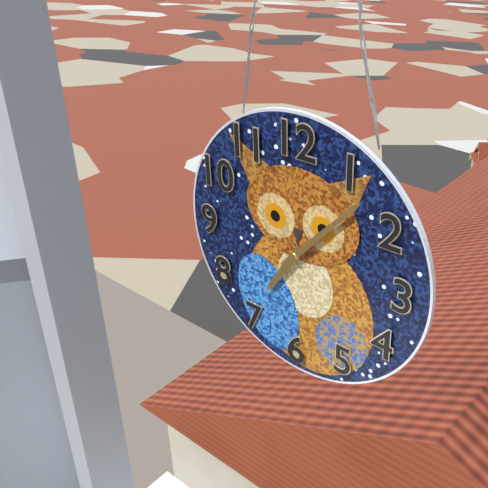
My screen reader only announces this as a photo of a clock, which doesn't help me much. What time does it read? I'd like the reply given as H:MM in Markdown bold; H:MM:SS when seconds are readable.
**7:07**
